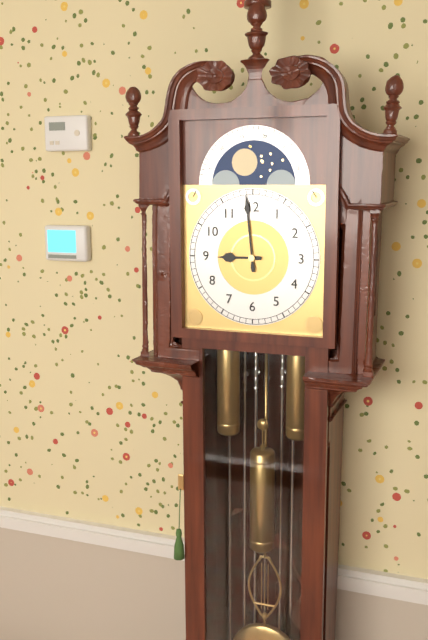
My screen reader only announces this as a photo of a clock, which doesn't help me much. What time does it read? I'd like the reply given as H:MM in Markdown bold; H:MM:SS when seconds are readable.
**8:59**
